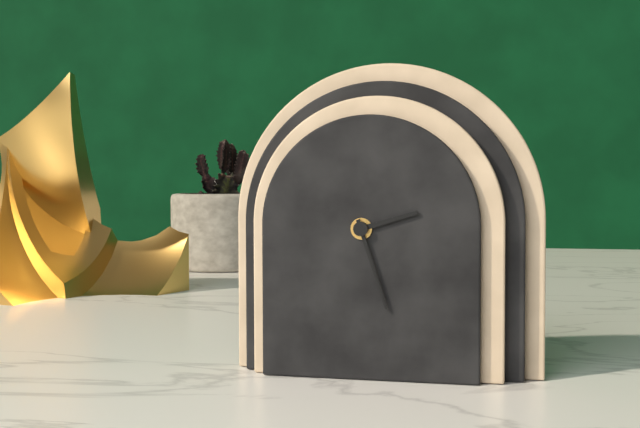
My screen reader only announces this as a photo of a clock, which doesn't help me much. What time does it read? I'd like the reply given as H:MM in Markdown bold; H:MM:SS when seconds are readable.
**2:27**
